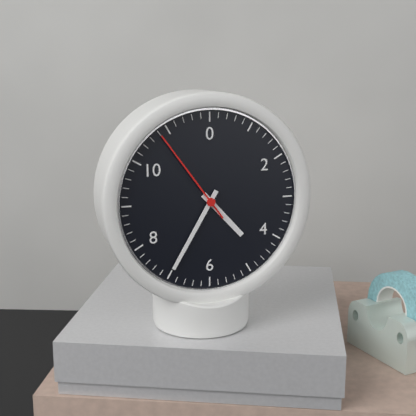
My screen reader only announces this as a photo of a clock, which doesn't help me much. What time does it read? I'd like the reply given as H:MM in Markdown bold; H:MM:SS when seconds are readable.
**4:35:54**
